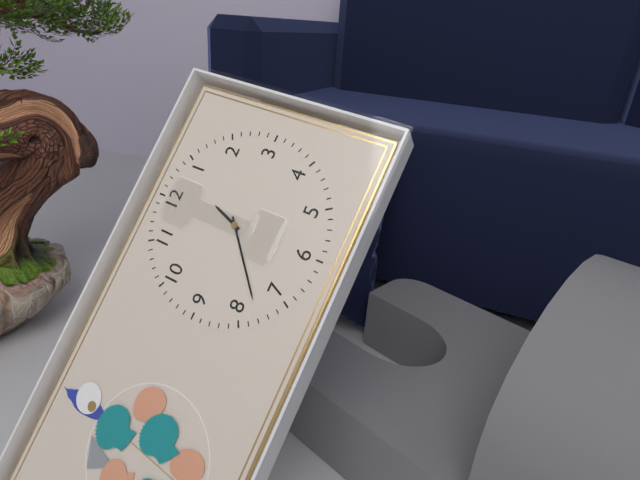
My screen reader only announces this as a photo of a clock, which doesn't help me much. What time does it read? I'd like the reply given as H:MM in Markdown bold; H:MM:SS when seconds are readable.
**12:38**
